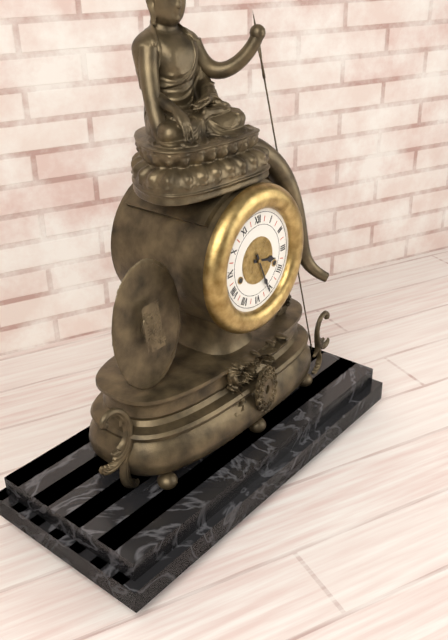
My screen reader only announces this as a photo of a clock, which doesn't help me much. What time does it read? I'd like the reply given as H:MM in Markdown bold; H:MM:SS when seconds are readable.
**3:26**
